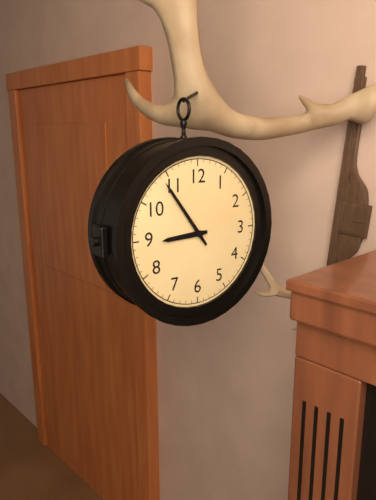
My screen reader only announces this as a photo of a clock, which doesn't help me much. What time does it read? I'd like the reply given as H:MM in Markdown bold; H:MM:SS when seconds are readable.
**8:54**
